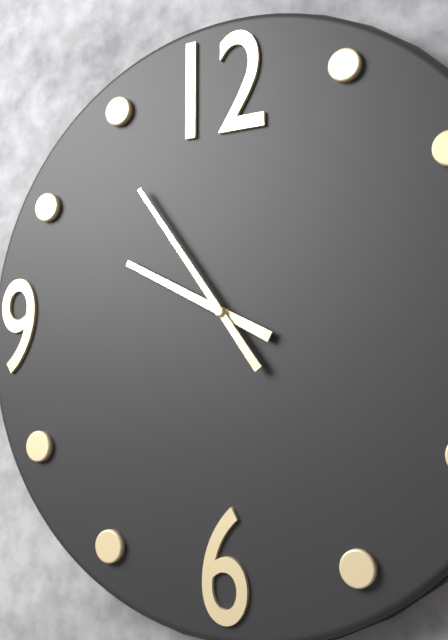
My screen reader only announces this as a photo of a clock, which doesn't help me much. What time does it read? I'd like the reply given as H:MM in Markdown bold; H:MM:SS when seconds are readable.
**9:54**
